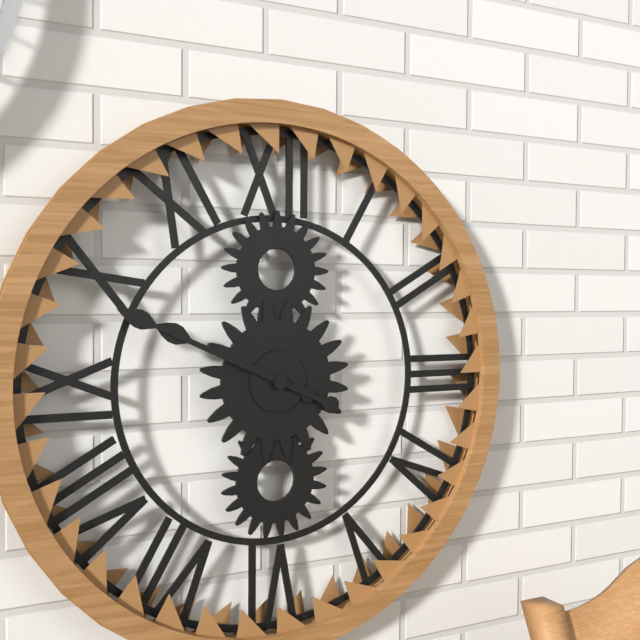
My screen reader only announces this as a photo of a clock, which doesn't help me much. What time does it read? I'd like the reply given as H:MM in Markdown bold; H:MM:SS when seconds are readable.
**9:49**
